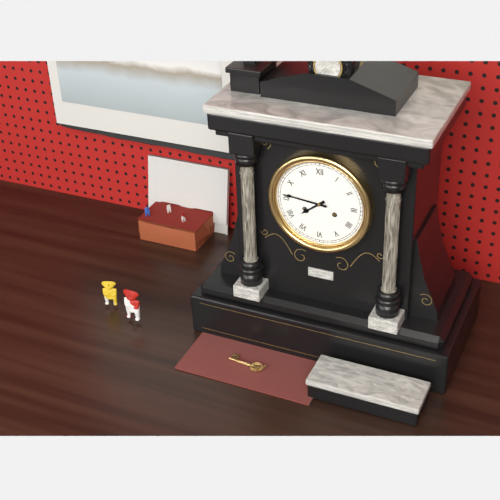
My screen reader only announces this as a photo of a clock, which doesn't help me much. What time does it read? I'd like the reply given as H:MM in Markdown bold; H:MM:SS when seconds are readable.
**7:46**
